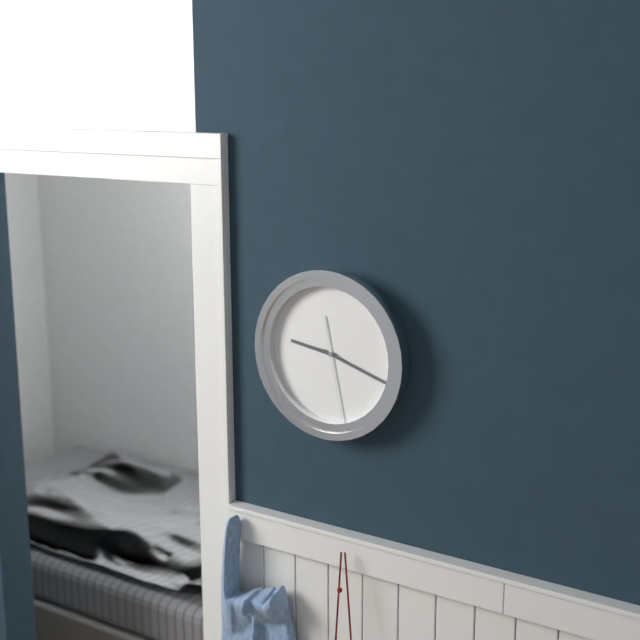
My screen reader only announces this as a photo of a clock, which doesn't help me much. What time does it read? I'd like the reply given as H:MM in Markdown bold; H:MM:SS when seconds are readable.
**9:18:28**
